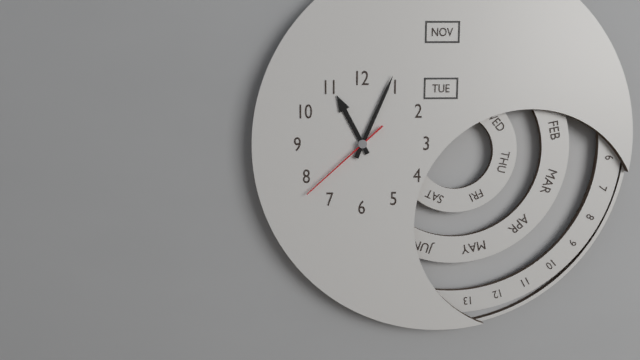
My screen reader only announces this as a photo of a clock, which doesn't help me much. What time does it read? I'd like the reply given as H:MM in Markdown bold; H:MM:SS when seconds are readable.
**11:04:38**
